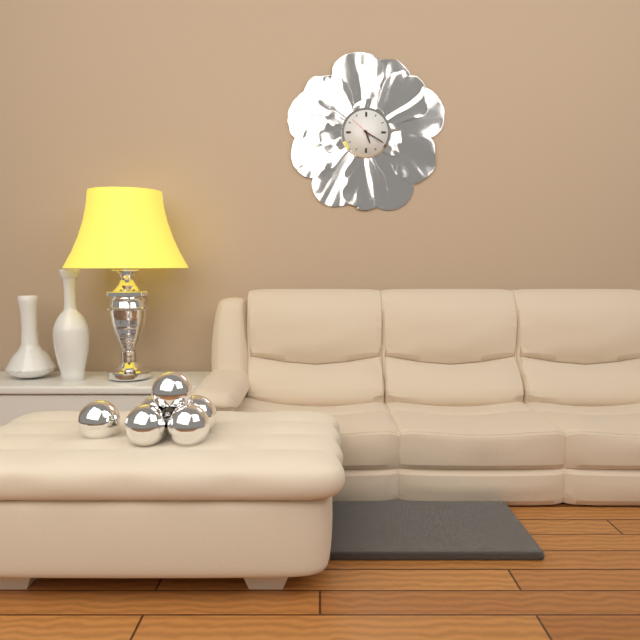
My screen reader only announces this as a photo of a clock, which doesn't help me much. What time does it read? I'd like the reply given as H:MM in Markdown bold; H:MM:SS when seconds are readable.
**5:20**
